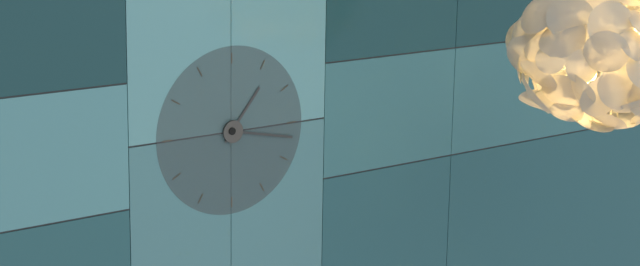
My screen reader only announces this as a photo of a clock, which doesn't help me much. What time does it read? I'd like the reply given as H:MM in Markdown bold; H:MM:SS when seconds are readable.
**1:17**
